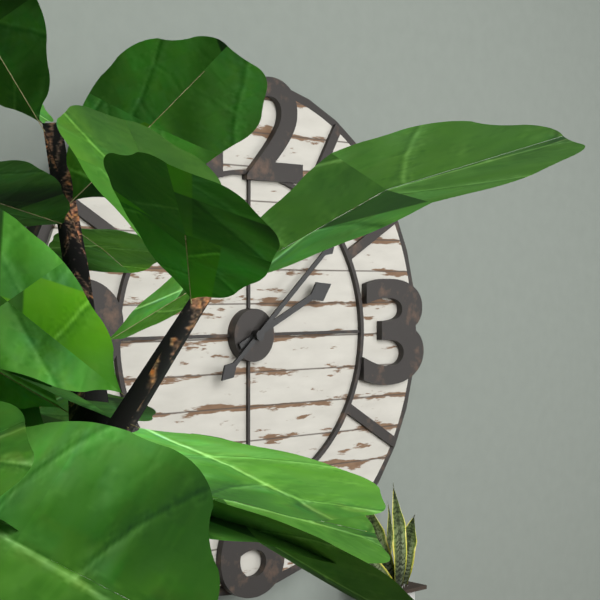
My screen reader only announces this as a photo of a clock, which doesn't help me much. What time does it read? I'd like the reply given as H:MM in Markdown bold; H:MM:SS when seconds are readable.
**2:08**
